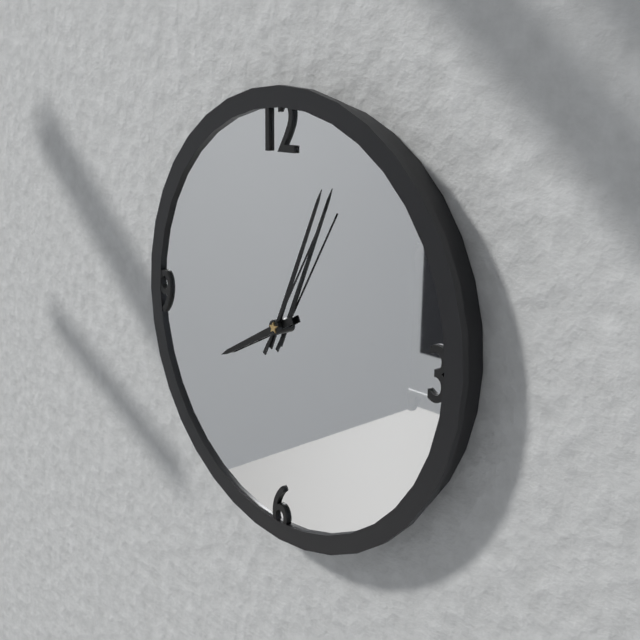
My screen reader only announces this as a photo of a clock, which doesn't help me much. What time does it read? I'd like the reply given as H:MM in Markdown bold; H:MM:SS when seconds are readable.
**8:04:05**
